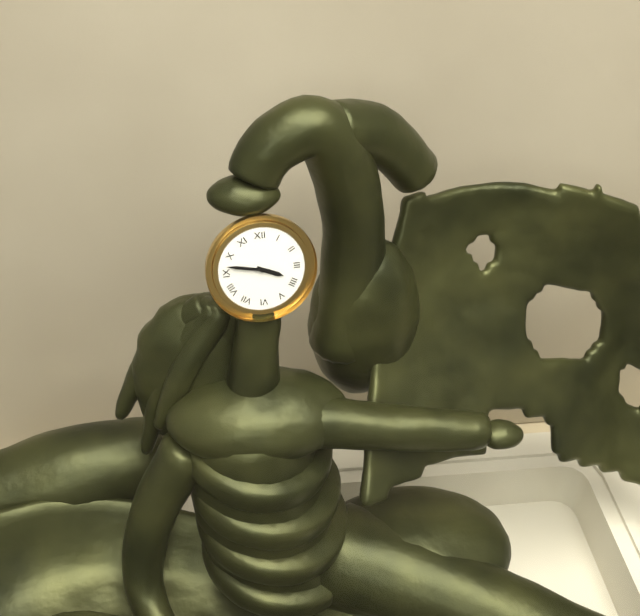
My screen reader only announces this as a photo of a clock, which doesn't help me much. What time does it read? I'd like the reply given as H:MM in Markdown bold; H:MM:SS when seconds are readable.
**3:47**
